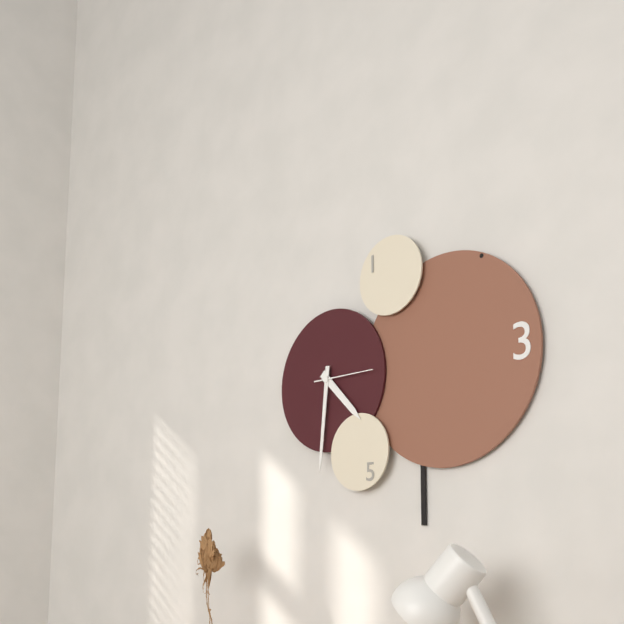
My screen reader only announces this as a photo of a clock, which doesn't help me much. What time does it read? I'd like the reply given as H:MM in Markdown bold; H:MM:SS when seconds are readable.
**4:31:15**
